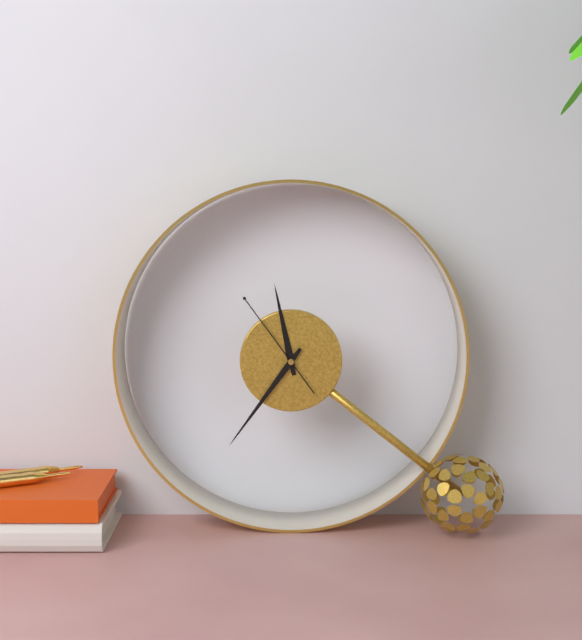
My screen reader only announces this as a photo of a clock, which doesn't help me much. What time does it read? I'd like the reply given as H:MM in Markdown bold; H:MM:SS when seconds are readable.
**11:36:54**
